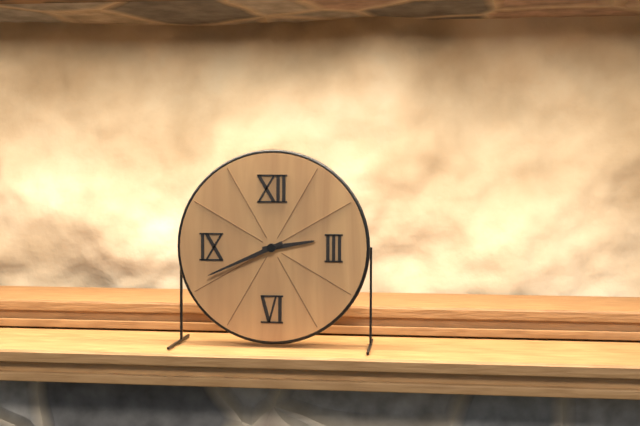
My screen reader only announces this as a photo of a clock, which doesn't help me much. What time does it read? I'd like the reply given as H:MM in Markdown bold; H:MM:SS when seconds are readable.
**2:41**
